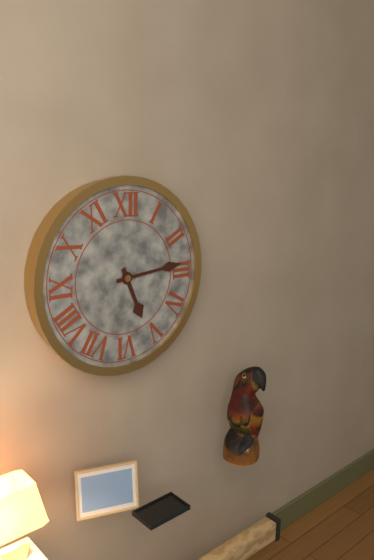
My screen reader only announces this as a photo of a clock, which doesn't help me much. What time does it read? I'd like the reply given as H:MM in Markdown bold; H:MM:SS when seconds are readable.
**5:14**
